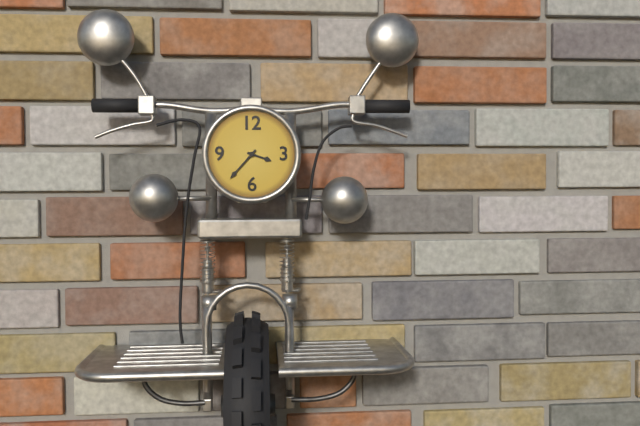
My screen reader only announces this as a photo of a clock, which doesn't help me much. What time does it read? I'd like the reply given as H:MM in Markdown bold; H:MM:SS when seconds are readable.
**3:37**
